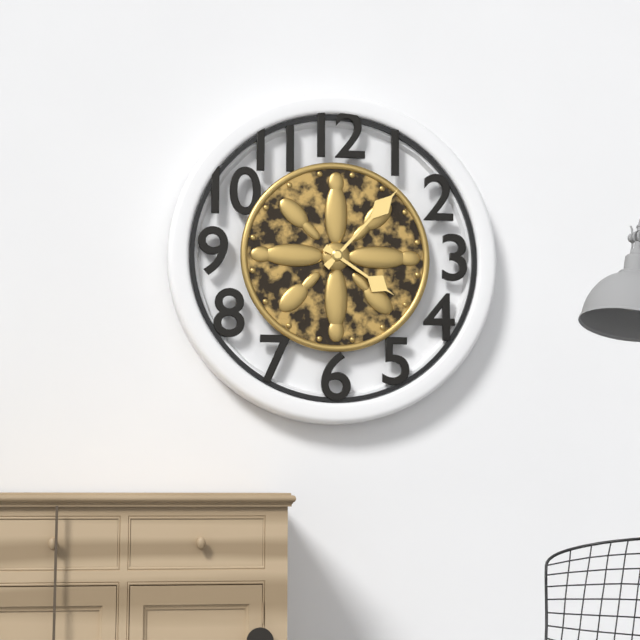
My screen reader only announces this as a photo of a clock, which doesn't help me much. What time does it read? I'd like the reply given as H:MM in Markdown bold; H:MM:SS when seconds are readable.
**4:07**
